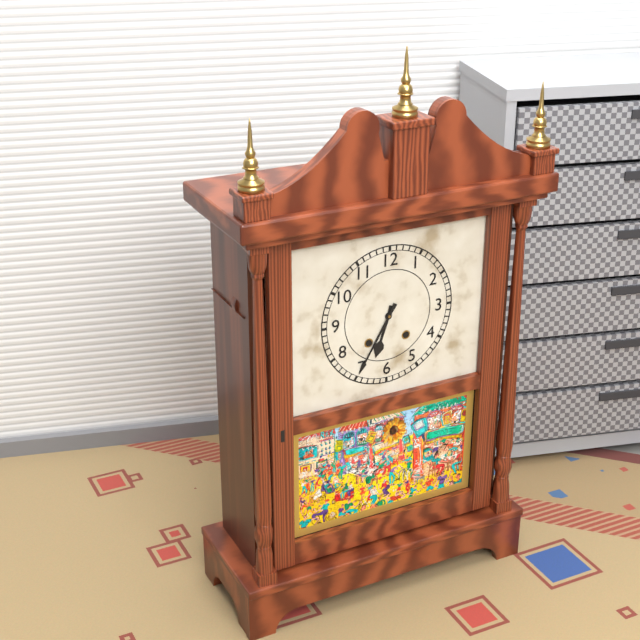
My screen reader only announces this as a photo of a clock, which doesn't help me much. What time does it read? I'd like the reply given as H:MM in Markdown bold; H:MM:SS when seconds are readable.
**6:35**
